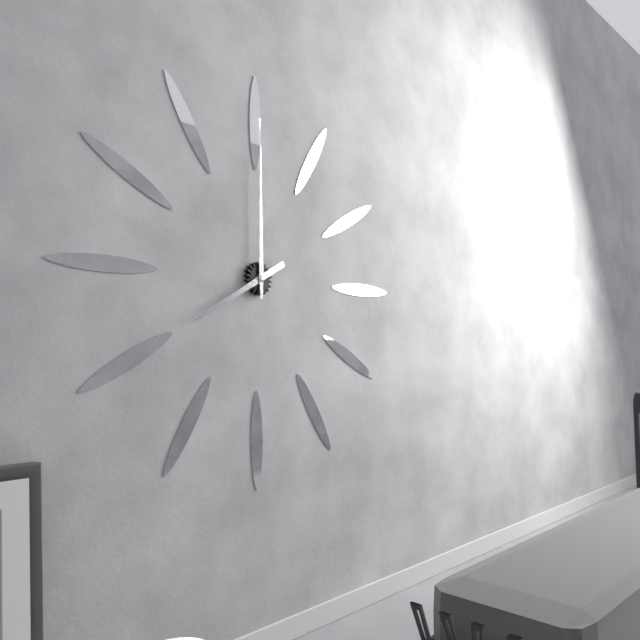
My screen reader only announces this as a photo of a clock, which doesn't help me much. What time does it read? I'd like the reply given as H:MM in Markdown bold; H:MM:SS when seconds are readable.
**8:00**
